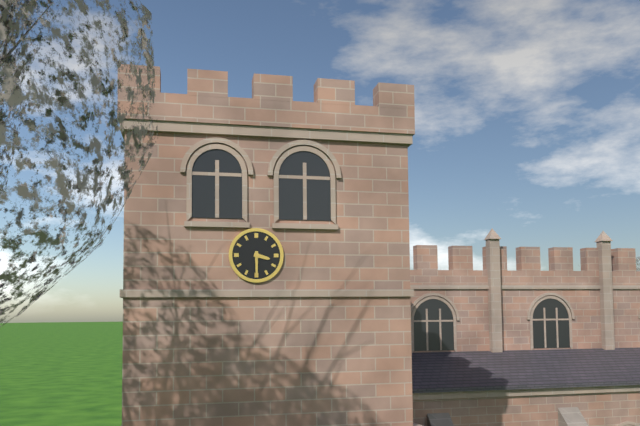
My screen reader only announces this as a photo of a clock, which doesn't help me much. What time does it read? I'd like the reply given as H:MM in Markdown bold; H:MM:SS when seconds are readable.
**3:30**
